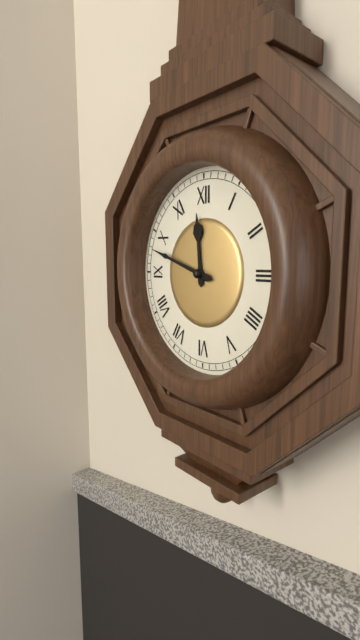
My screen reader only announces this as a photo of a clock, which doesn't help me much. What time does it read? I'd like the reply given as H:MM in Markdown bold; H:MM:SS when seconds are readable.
**11:48**
